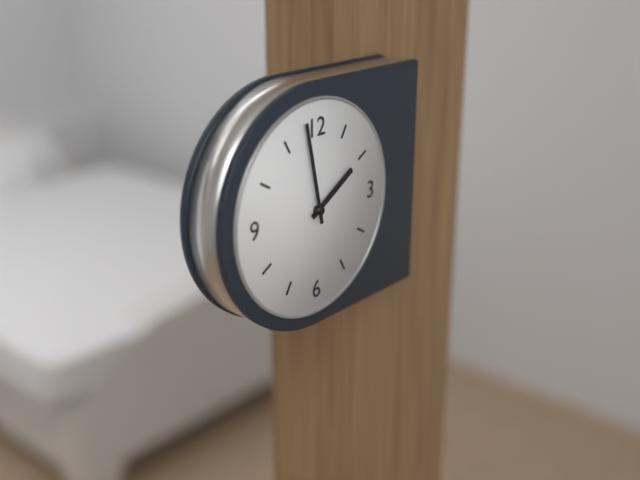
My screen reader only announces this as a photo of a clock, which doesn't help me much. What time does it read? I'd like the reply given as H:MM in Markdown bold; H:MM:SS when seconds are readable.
**1:58**
